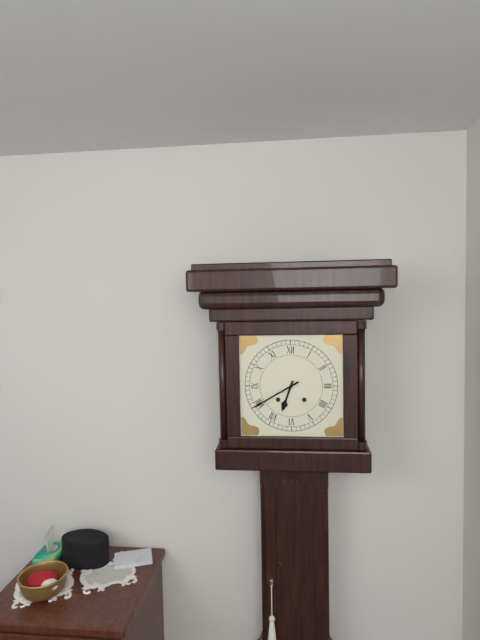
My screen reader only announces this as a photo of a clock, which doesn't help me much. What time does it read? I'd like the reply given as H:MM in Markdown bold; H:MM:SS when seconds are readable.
**6:40**
